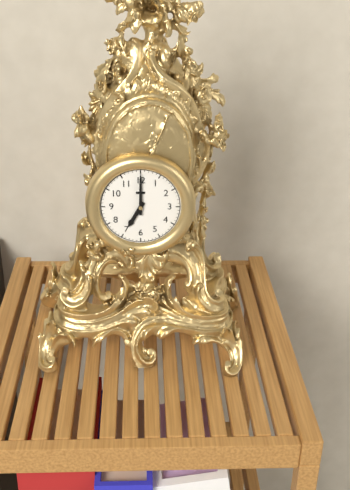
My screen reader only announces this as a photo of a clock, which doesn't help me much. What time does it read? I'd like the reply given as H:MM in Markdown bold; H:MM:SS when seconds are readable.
**7:00**
